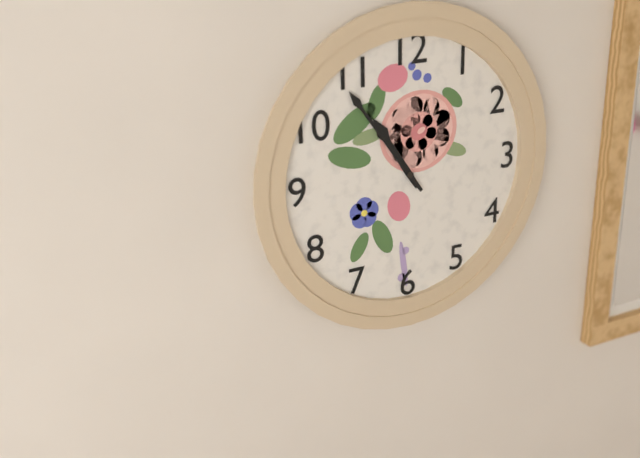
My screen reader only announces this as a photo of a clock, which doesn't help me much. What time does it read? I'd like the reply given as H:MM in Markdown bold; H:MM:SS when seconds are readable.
**10:54**
